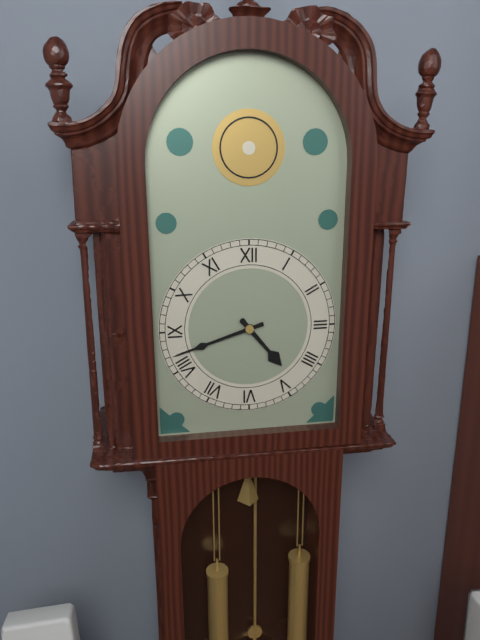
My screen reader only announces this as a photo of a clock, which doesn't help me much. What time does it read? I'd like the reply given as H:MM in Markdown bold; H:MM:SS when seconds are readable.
**4:42**
